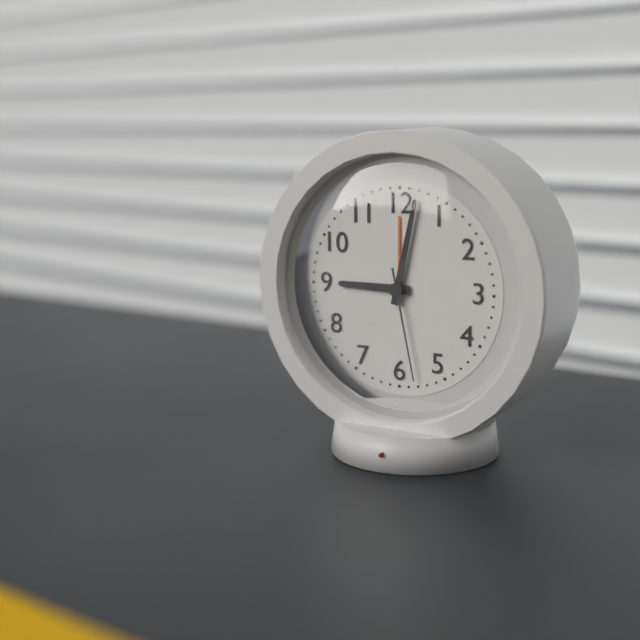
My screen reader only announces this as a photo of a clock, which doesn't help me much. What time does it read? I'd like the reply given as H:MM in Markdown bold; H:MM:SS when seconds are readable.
**9:02:28**
